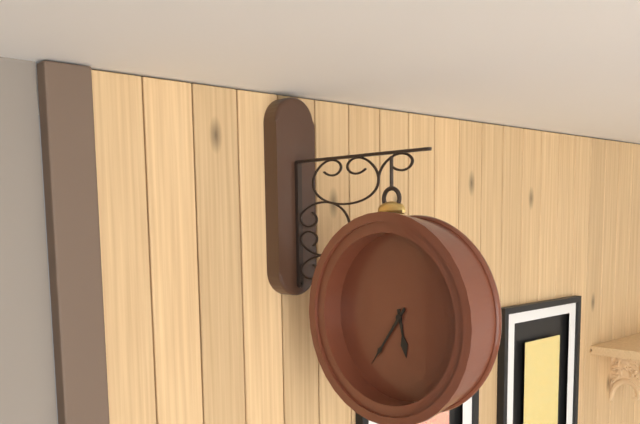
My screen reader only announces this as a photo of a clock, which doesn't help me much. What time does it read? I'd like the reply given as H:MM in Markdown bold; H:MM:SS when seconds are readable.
**5:36**
